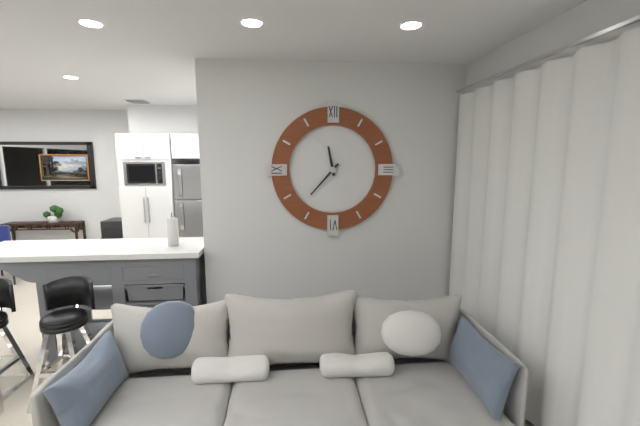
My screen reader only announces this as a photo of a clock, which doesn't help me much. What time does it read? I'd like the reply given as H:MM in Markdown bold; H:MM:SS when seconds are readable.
**11:37**
